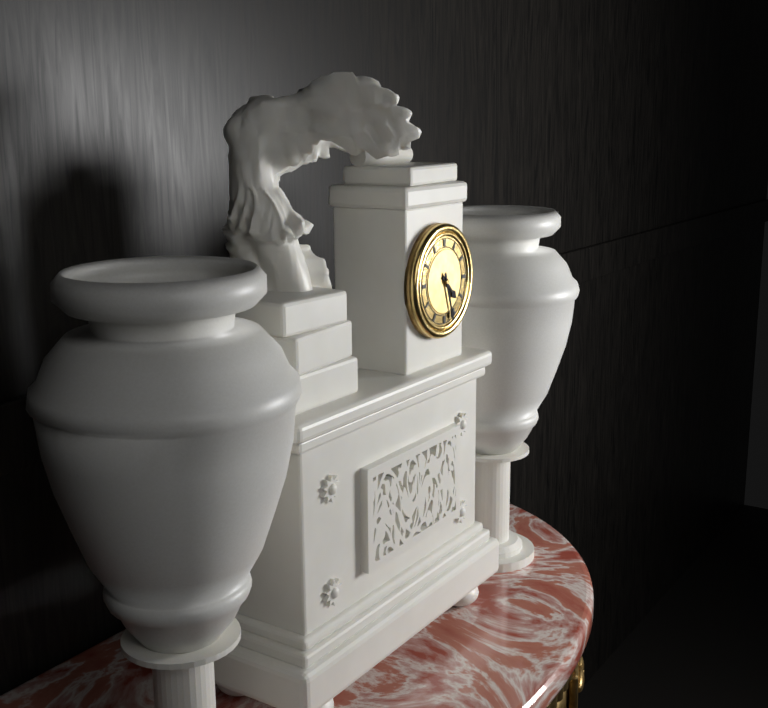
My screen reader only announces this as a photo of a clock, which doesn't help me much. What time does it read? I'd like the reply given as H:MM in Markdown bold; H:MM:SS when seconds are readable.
**4:27**
